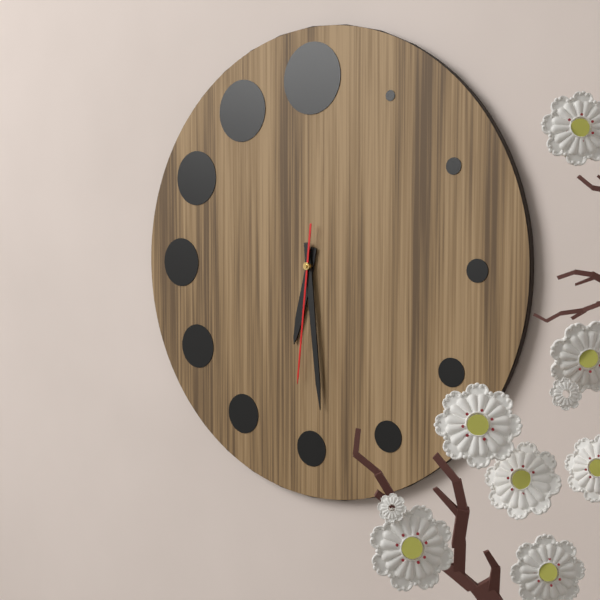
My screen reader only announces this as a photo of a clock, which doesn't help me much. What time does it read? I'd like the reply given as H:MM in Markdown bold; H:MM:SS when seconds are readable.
**6:29:31**
